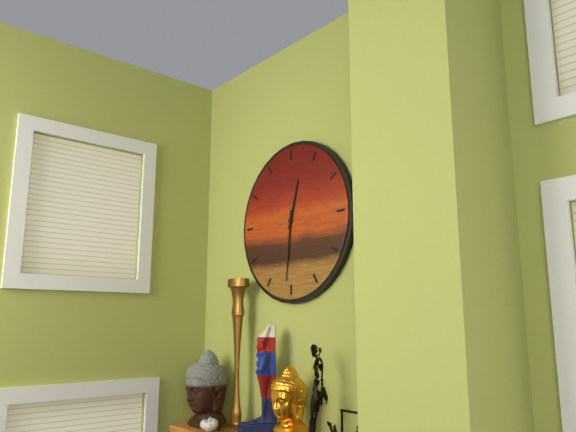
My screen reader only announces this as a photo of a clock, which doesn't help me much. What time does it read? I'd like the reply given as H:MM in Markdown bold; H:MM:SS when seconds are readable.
**12:31**
